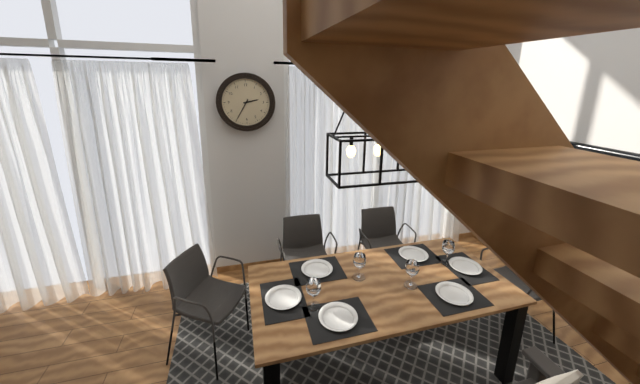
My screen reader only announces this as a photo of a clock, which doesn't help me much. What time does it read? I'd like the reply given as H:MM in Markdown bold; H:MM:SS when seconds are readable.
**2:35**
